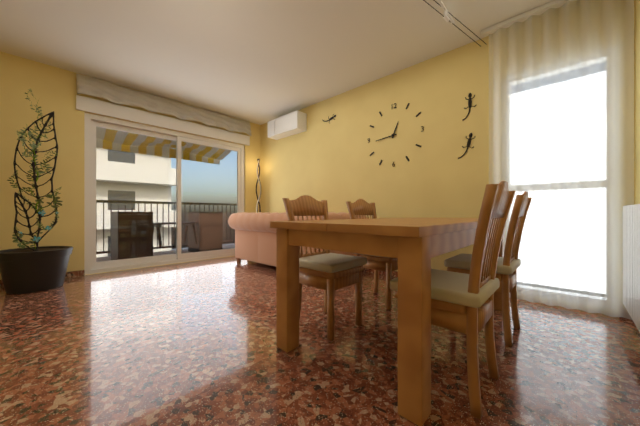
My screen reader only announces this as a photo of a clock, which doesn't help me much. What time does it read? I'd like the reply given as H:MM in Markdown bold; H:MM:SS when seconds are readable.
**12:44**
